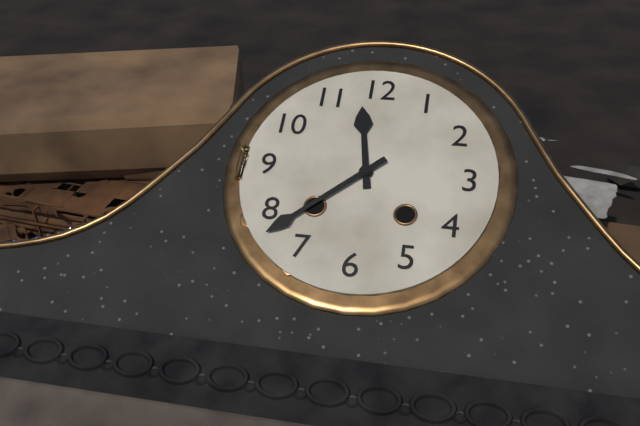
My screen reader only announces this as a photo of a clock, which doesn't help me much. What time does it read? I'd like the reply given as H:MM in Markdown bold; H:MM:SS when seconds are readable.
**11:38**
